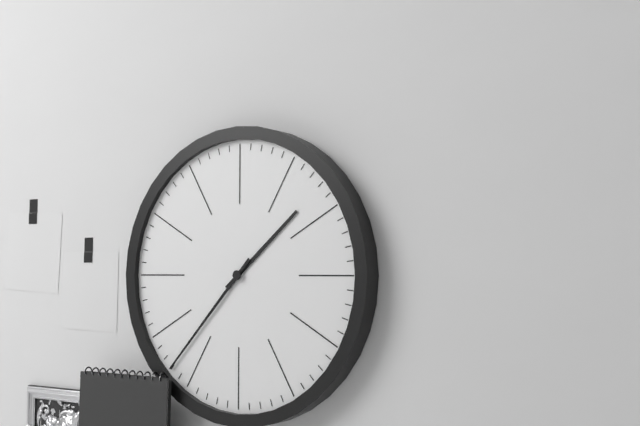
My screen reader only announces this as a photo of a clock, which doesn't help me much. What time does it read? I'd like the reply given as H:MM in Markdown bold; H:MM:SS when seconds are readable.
**1:37**
